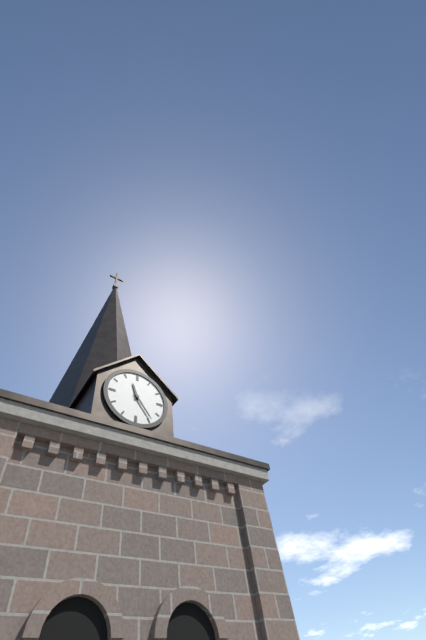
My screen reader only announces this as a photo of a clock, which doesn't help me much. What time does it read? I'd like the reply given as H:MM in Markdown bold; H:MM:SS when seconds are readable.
**11:24**
